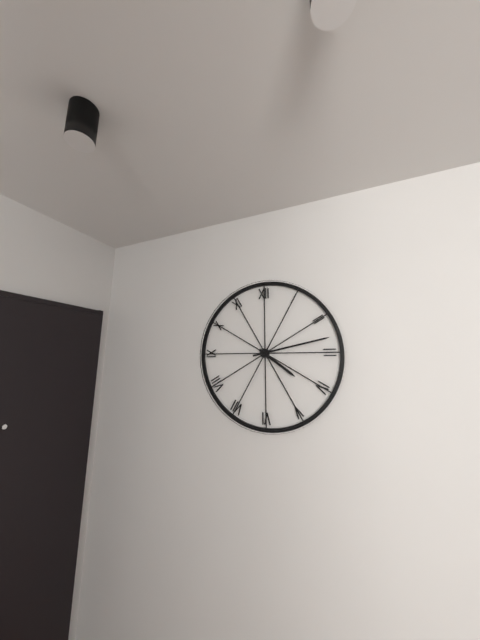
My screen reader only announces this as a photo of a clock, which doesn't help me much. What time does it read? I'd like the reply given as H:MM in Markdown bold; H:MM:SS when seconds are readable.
**4:13**
